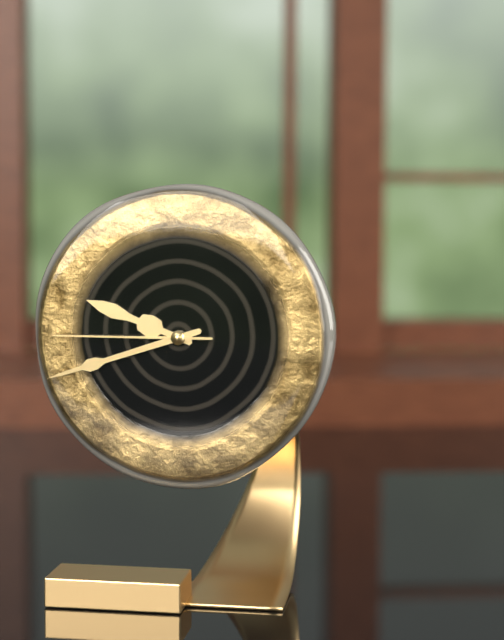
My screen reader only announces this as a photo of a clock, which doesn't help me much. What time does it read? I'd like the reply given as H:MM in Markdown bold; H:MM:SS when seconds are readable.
**9:42:45**
